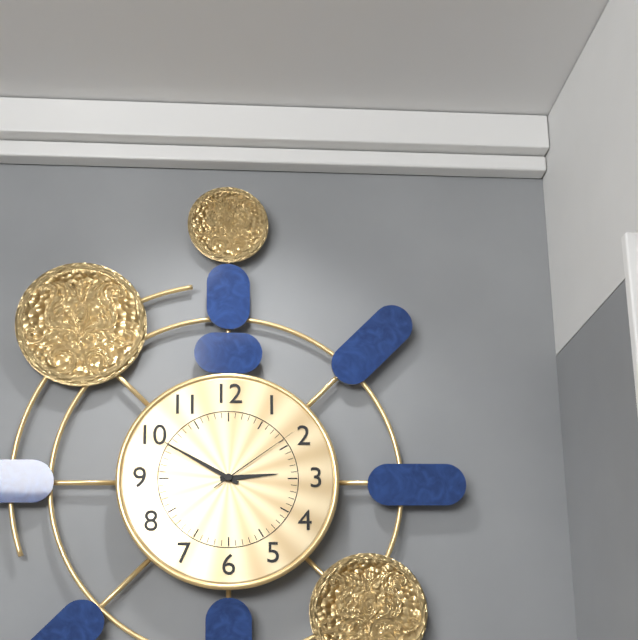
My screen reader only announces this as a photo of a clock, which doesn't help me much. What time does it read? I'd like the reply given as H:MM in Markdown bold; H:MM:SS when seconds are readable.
**2:50:09**
